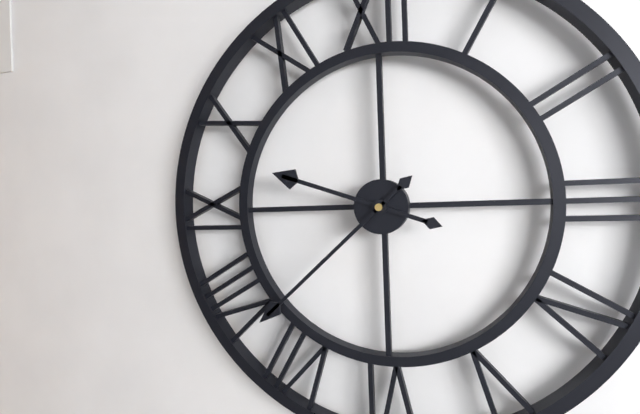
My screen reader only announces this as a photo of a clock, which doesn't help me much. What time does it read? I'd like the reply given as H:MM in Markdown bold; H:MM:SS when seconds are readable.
**9:38**
